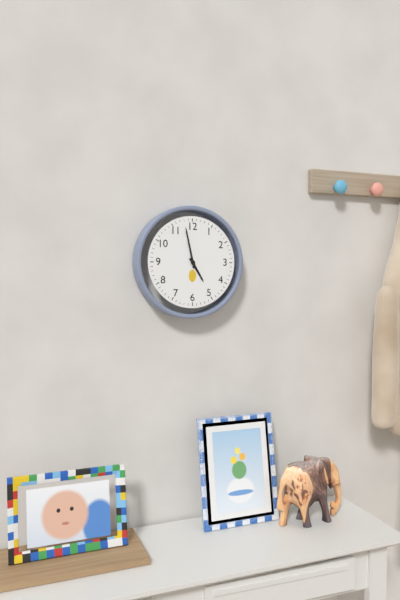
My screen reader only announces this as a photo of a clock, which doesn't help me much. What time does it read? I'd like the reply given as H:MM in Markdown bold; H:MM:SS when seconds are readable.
**4:58**
